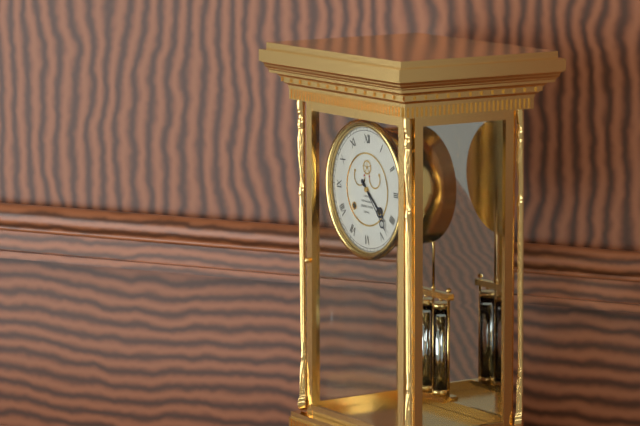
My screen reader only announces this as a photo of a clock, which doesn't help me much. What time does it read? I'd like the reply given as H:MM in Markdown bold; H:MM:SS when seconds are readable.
**4:23**
